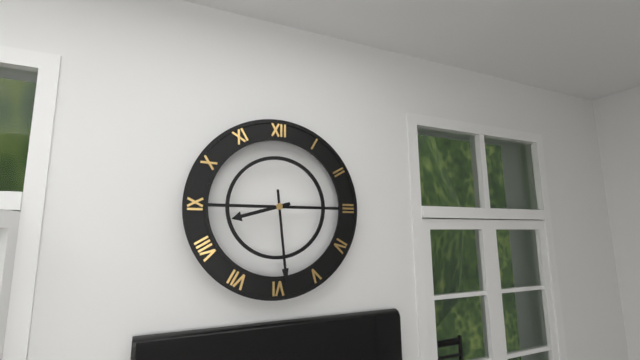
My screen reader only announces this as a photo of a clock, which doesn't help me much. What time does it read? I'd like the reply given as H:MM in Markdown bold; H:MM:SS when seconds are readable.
**8:29**
